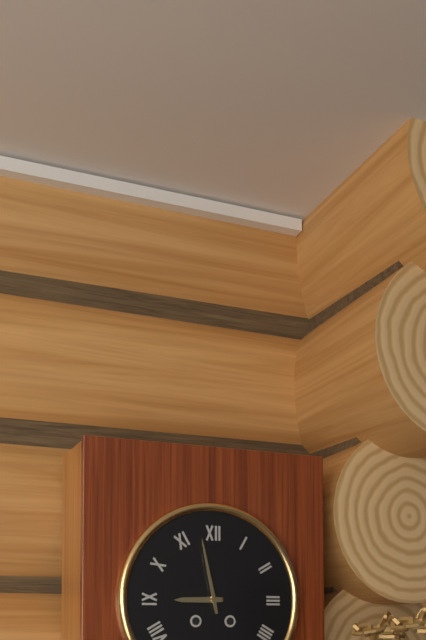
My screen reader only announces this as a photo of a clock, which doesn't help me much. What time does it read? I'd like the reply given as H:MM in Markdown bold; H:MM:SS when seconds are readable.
**8:58**
